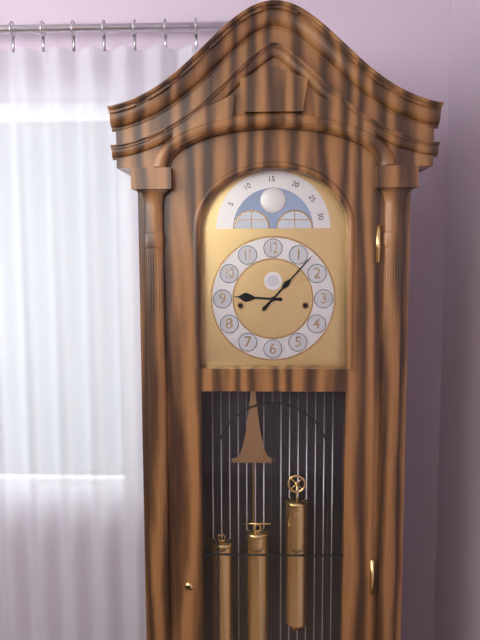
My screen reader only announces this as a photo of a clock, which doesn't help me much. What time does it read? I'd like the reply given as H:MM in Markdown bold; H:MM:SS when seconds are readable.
**9:07**
